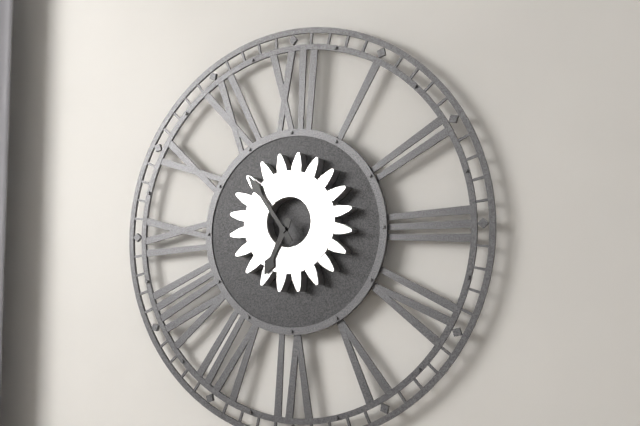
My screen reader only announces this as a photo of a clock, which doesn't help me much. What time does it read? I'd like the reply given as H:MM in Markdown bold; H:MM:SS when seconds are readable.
**6:54**
